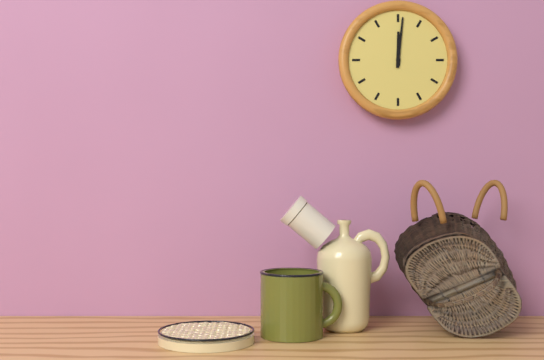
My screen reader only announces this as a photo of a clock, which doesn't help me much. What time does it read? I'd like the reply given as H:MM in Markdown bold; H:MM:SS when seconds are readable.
**12:01**
